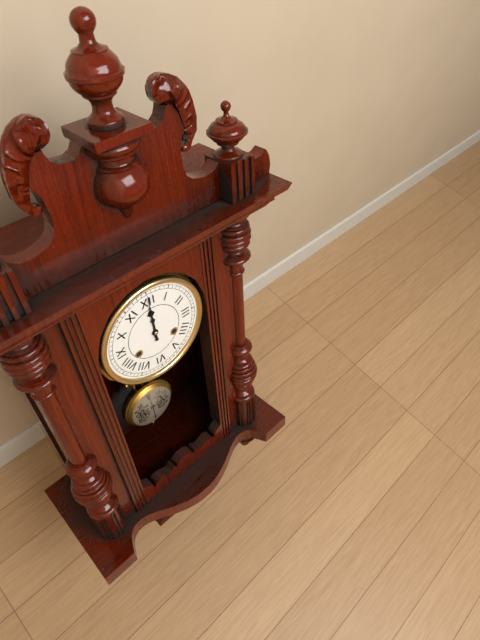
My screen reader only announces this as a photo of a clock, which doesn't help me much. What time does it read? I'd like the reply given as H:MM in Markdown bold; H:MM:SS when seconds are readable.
**12:00**
